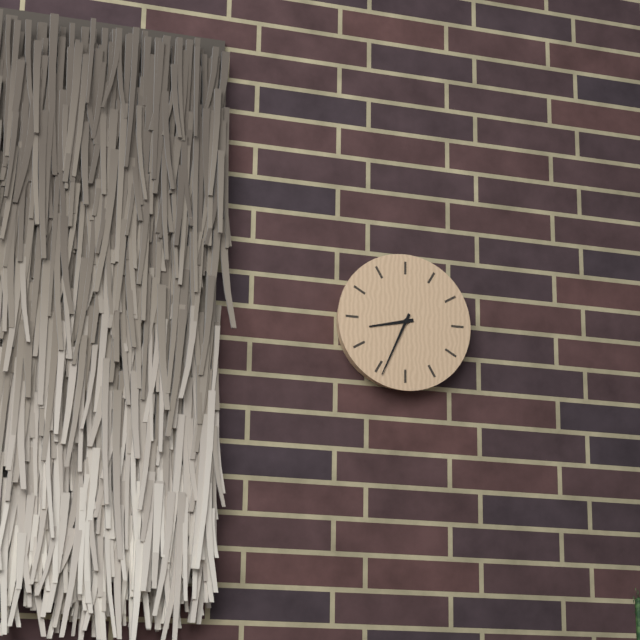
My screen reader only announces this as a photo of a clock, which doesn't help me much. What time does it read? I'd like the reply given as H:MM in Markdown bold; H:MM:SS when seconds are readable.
**8:34**
